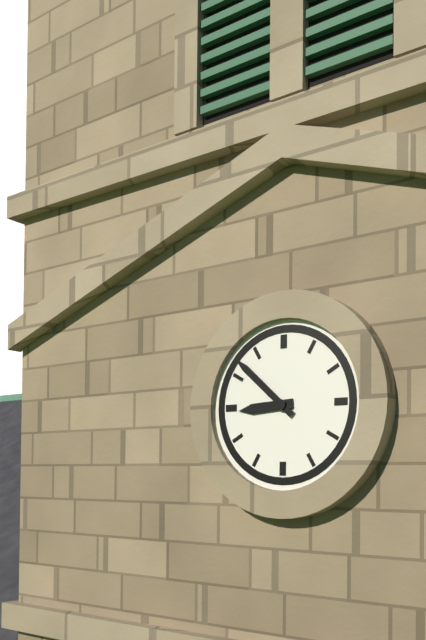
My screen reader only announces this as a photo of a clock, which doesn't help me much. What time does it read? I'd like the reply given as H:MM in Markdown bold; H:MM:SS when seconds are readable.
**8:52**
